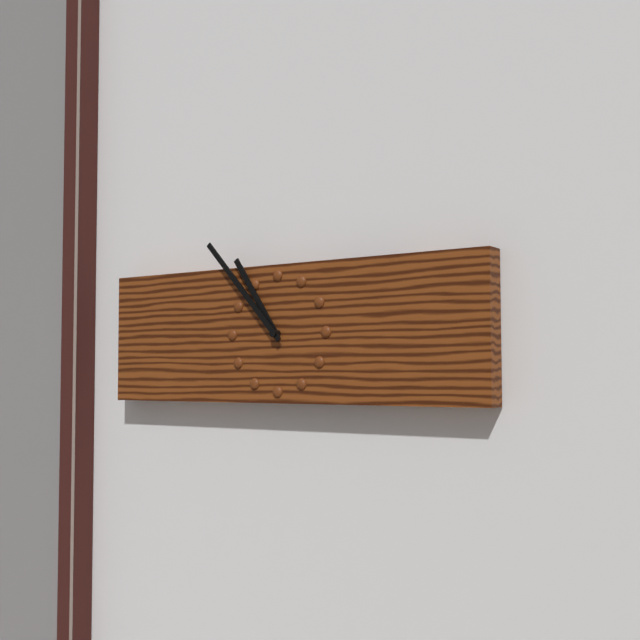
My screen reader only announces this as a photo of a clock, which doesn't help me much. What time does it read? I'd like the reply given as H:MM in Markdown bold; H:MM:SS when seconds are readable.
**10:53**
